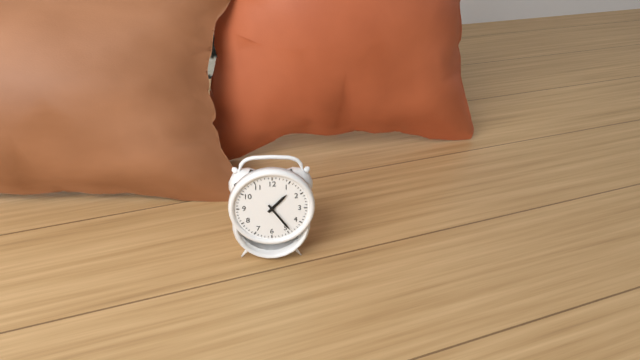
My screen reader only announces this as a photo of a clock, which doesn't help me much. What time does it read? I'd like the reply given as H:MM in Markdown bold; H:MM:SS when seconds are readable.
**1:24**
